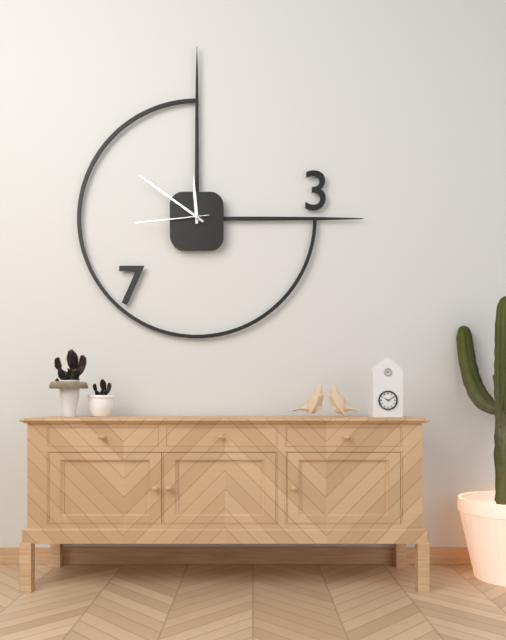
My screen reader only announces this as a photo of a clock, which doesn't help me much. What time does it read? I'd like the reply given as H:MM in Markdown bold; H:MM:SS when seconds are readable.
**11:51:44**
